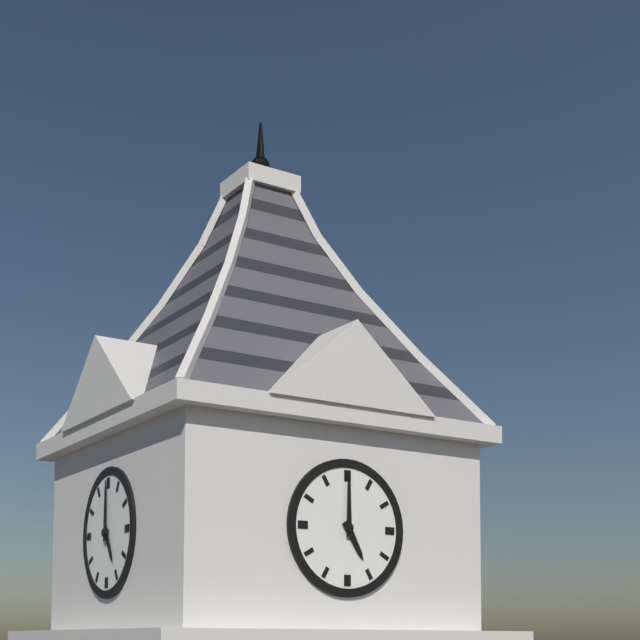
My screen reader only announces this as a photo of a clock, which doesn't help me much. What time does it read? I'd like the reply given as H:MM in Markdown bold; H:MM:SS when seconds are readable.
**5:00**
